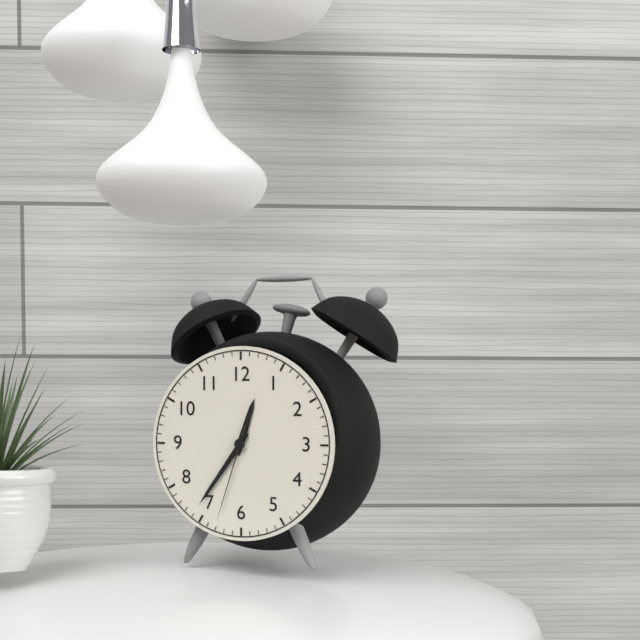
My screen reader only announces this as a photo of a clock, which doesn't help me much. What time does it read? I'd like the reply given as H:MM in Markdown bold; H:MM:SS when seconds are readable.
**12:36:33**
